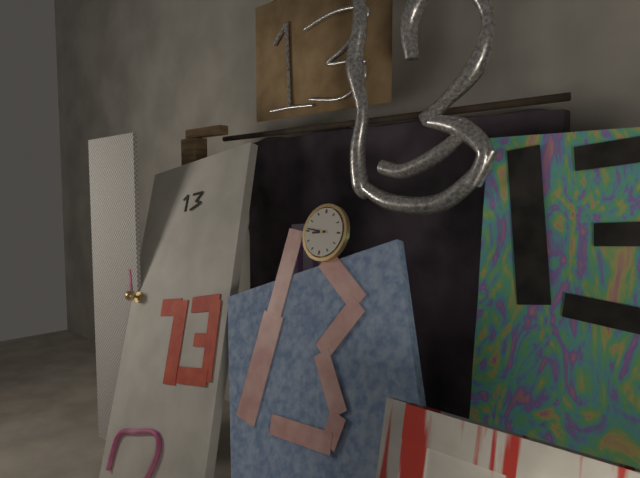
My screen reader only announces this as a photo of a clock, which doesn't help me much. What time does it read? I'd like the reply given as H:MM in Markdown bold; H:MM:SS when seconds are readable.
**8:46**
